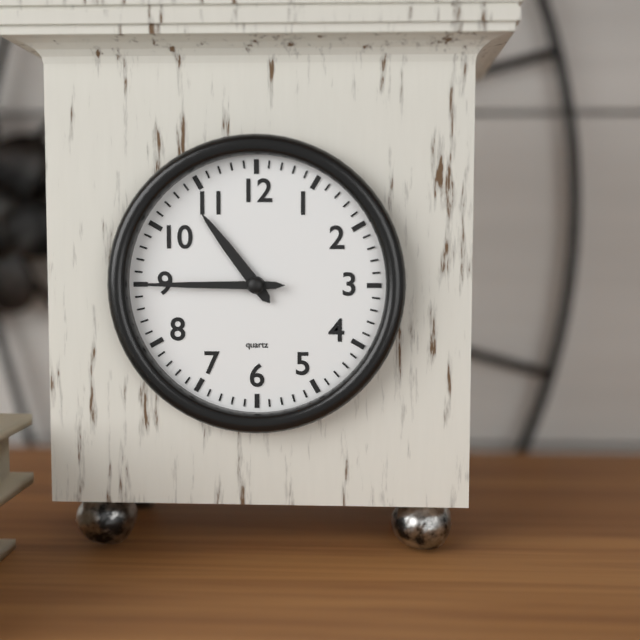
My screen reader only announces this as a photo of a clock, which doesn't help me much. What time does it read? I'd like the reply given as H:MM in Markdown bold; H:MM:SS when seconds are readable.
**10:45**
